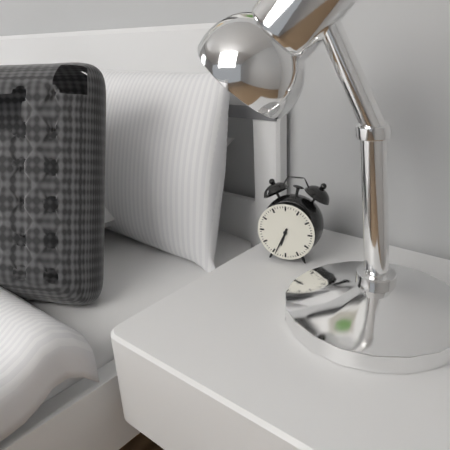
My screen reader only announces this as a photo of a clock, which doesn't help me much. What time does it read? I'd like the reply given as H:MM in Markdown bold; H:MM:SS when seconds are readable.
**6:34**
